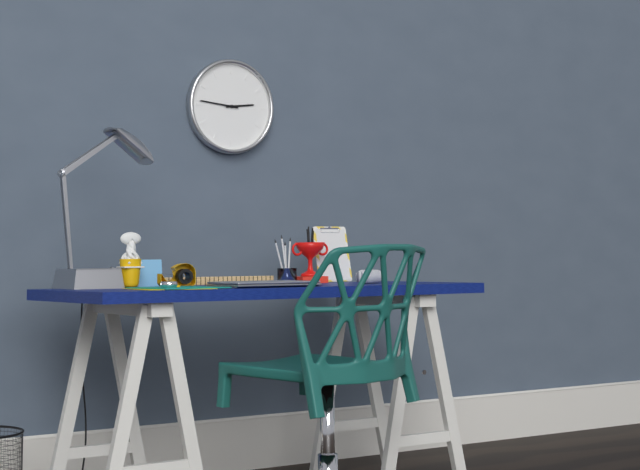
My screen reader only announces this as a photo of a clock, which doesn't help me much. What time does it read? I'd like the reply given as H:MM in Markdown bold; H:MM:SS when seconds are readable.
**2:46**
